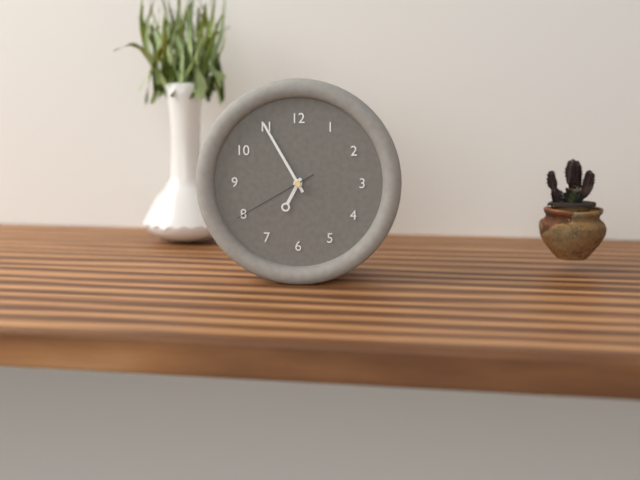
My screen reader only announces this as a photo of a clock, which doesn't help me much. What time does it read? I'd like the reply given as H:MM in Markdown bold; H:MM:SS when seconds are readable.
**6:55:40**
